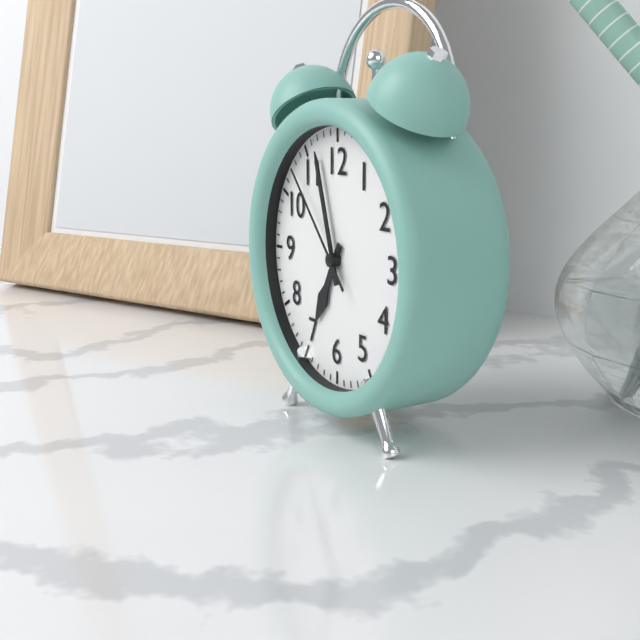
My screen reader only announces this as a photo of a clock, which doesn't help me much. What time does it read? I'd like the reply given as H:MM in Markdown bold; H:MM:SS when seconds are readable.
**6:57:53**
